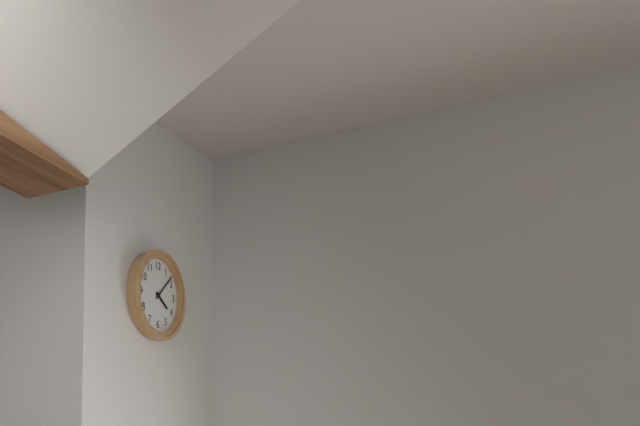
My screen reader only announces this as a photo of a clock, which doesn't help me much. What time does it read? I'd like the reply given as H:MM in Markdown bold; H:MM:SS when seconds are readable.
**4:08**
